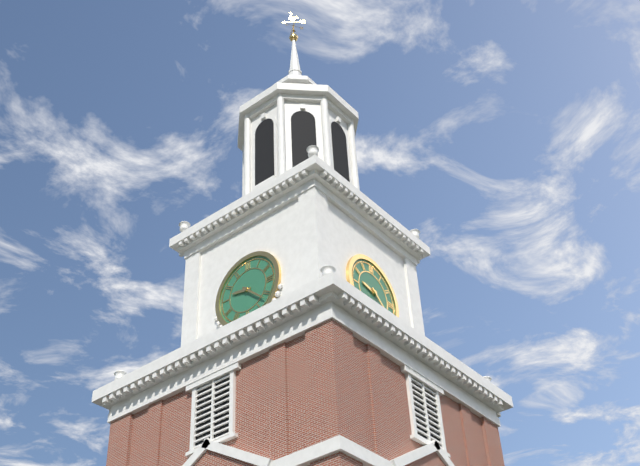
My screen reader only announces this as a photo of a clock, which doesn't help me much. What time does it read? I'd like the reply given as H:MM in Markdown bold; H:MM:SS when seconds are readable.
**9:22**
